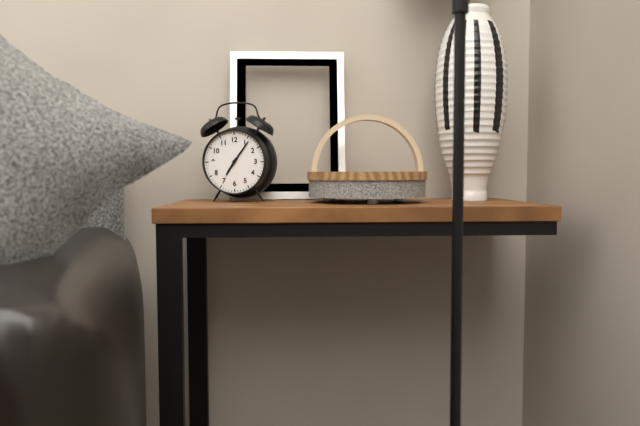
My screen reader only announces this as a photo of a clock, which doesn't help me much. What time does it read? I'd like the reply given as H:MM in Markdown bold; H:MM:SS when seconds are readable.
**7:06**
